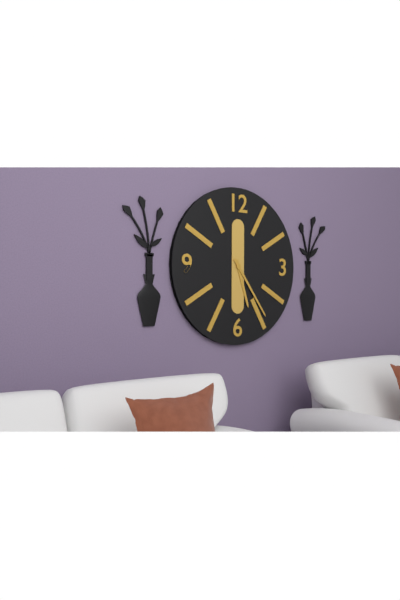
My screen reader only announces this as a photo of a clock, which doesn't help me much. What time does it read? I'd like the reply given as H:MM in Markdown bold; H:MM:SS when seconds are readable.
**5:24**
